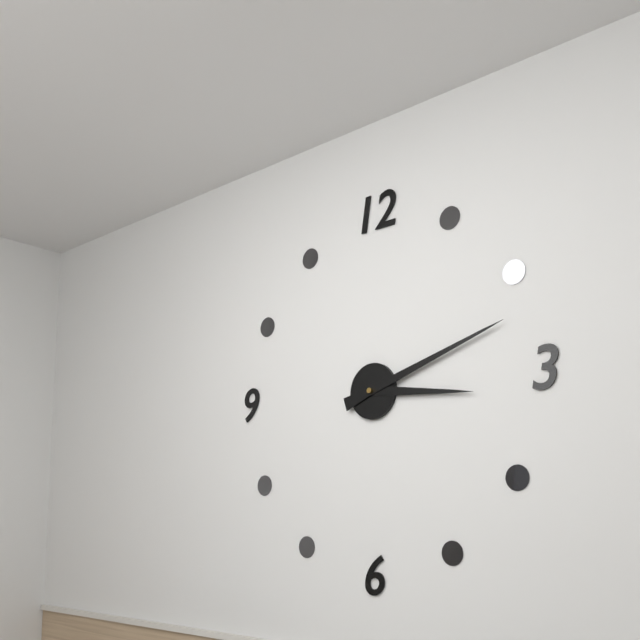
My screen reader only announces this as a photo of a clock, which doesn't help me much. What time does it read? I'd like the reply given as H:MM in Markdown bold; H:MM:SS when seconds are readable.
**3:12**
